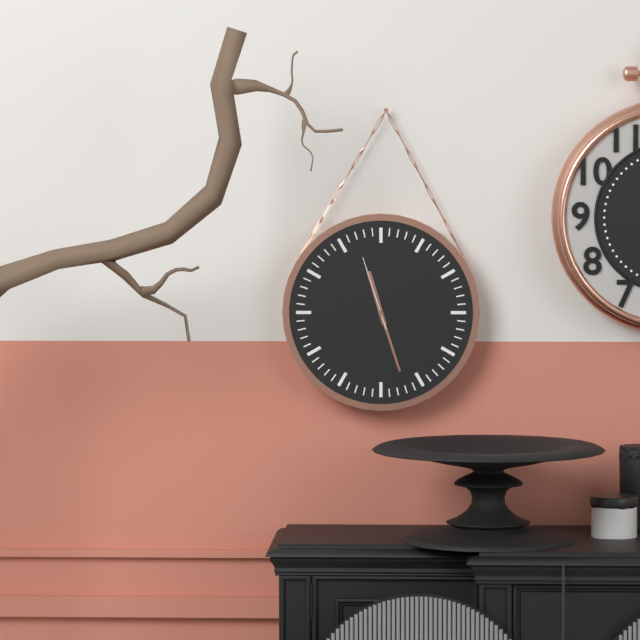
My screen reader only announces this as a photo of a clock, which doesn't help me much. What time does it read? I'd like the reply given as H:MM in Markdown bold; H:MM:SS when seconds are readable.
**11:27:57**
